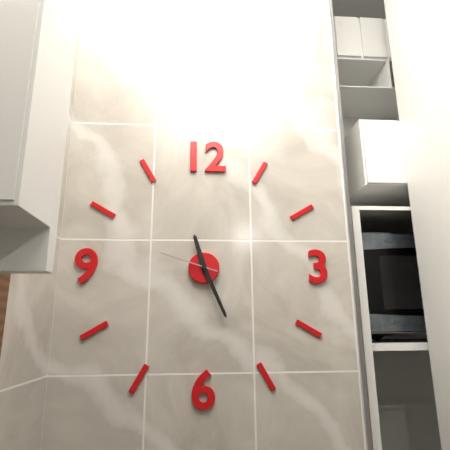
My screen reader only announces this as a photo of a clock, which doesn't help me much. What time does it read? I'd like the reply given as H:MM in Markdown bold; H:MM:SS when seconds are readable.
**11:26:48**
